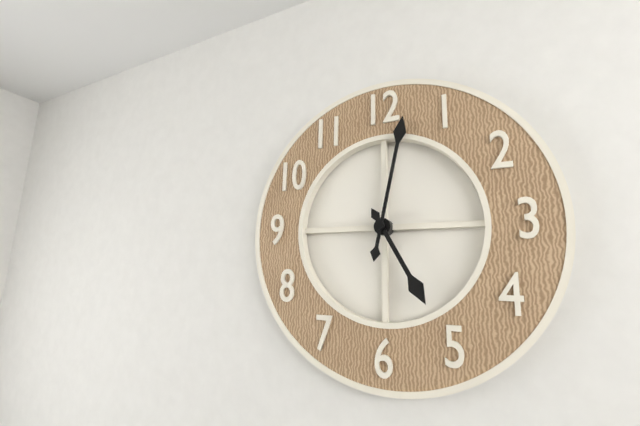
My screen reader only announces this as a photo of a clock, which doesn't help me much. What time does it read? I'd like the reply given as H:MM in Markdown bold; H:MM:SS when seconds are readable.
**5:02**
